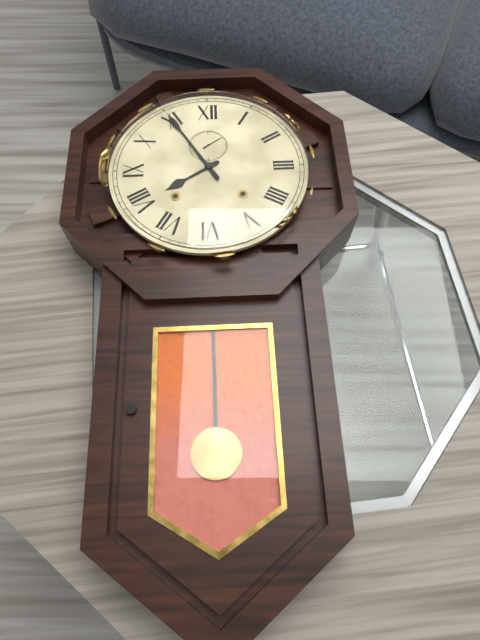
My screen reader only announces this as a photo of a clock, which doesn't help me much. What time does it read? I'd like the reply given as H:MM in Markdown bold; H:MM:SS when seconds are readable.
**7:55:09**
